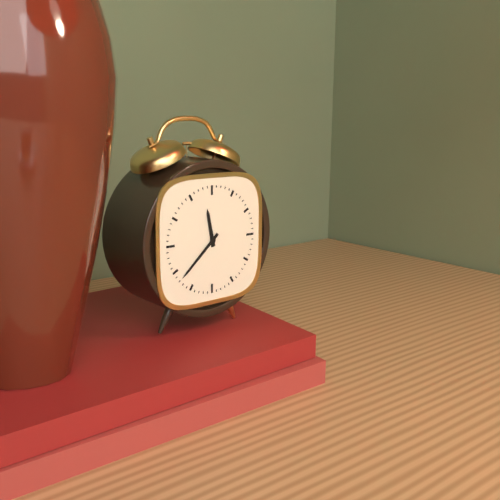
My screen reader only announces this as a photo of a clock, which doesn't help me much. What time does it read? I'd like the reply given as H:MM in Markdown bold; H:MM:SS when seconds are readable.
**11:38**
